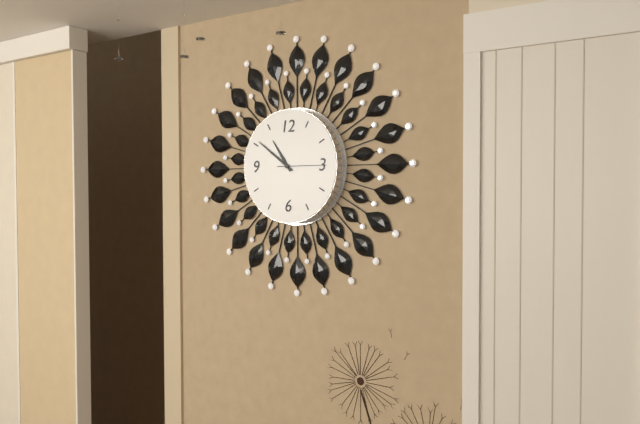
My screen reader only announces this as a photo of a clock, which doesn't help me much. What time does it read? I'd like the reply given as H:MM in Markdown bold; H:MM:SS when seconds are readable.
**10:51**
